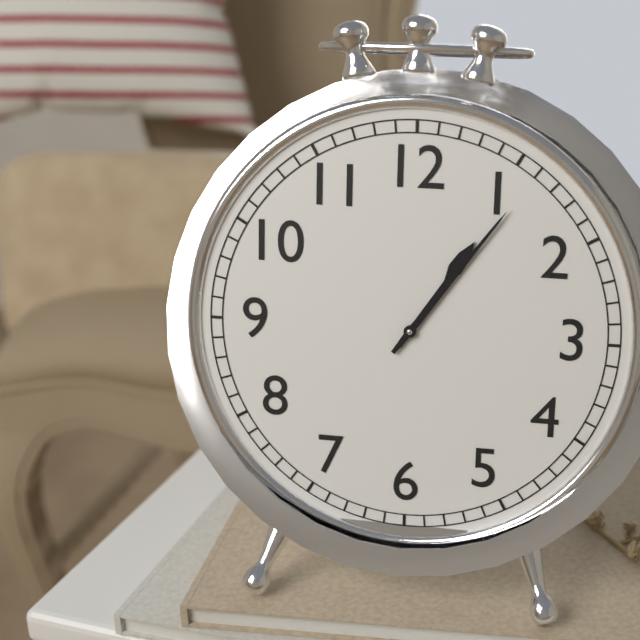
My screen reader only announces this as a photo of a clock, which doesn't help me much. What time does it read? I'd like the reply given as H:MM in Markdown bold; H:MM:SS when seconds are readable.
**1:06**
